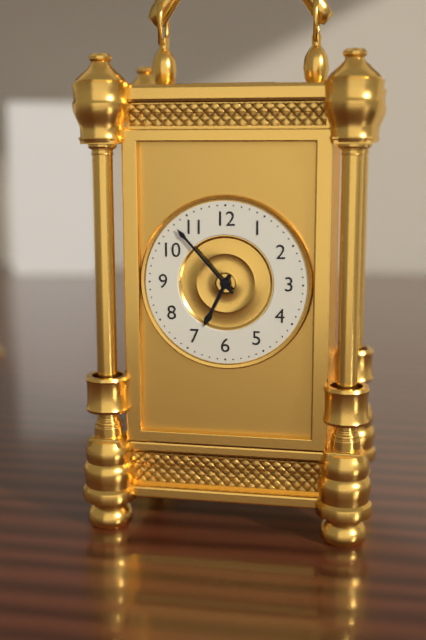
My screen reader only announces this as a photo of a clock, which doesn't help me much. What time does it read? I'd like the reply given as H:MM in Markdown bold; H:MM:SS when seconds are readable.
**6:53**
